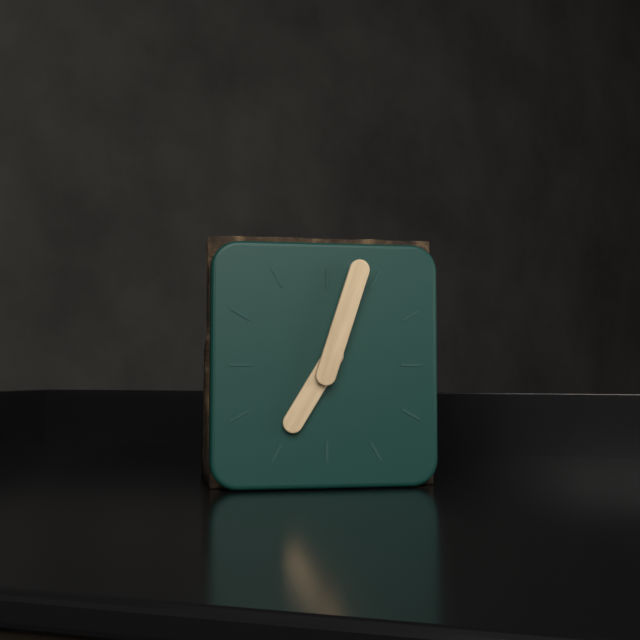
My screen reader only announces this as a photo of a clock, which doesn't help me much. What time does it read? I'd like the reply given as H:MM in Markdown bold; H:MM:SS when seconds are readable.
**7:03**
